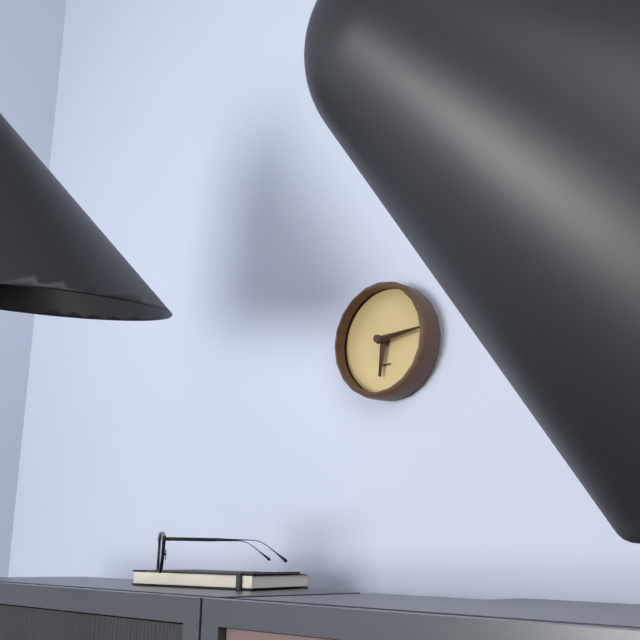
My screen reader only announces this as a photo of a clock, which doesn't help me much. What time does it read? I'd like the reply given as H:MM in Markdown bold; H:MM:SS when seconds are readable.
**6:14**
